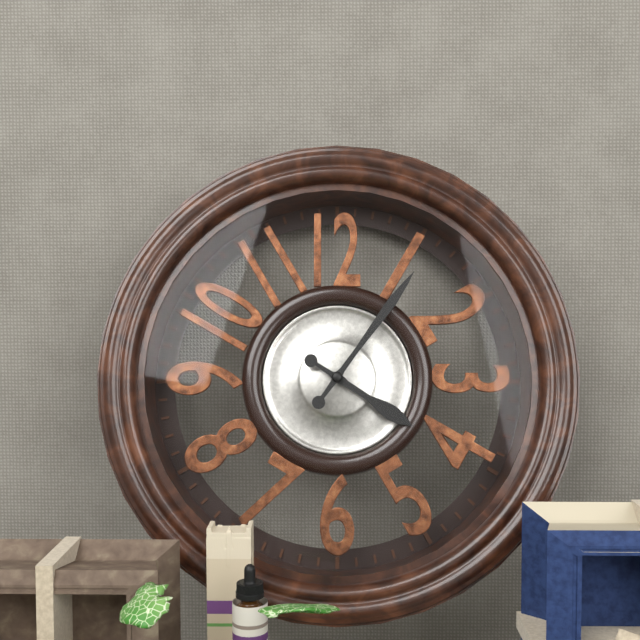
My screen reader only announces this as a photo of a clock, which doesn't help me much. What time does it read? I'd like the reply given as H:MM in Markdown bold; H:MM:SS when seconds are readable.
**4:06**
